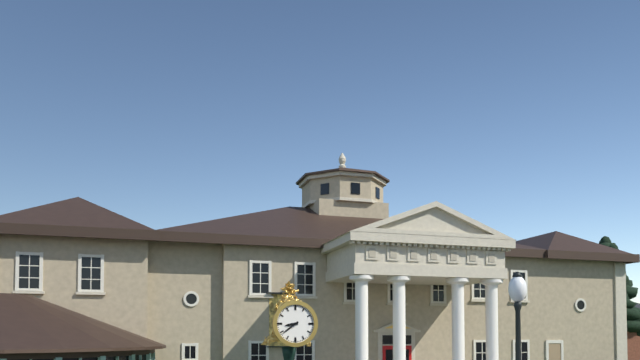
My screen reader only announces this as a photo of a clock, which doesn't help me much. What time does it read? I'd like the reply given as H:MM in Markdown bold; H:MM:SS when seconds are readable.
**8:39**
